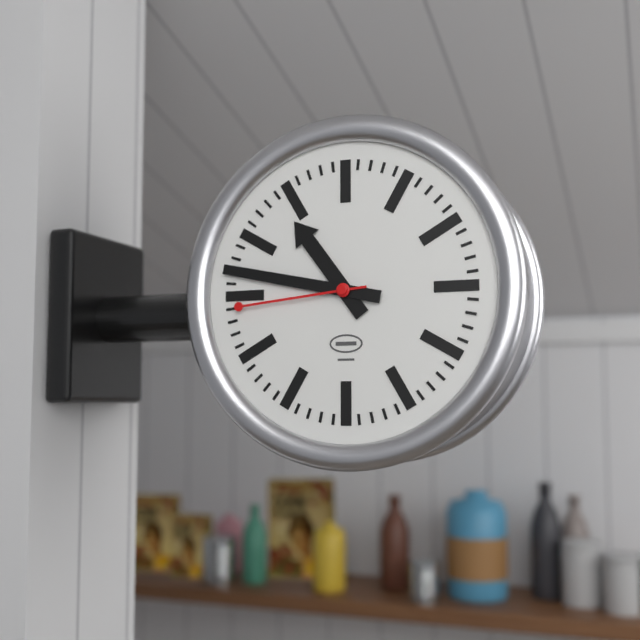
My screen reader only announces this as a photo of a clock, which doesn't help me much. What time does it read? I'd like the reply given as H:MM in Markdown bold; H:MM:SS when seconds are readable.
**10:47:44**
